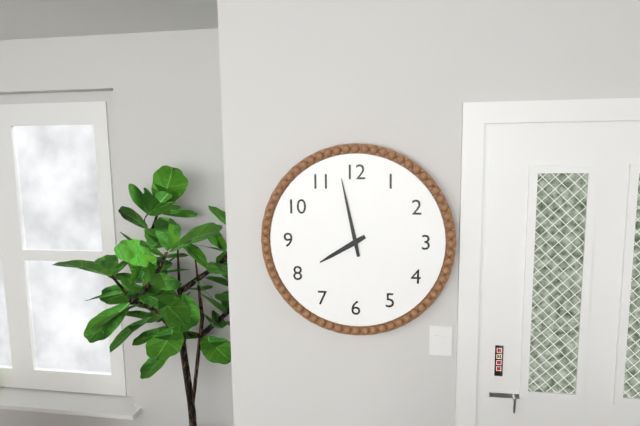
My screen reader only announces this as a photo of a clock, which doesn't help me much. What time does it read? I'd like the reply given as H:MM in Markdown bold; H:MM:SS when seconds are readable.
**7:58**
